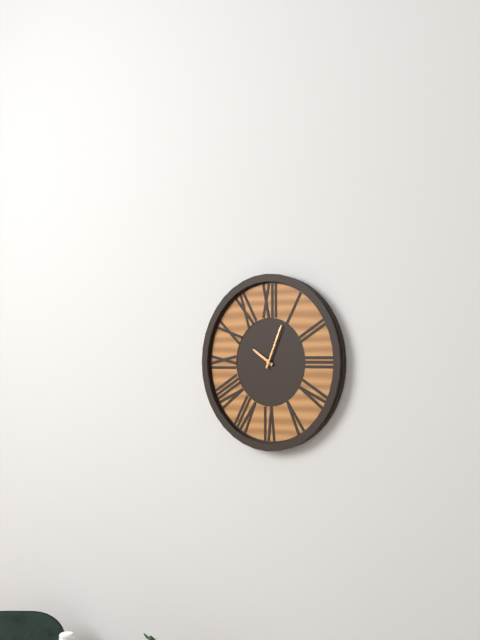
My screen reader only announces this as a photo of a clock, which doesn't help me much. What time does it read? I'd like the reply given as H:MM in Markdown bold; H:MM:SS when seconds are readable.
**10:04**
